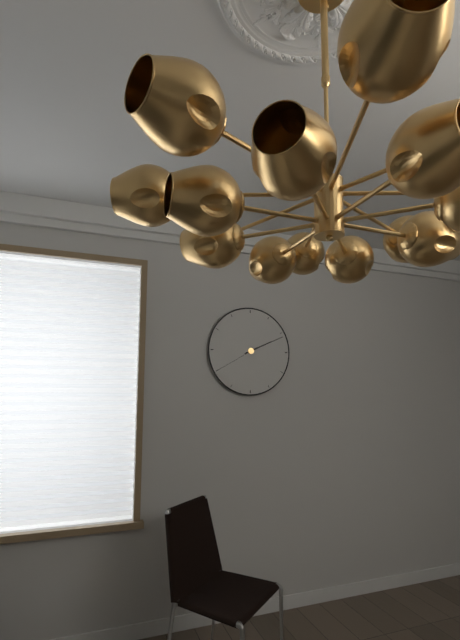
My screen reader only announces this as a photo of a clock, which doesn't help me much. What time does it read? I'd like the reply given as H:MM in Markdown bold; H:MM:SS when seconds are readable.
**2:11**
